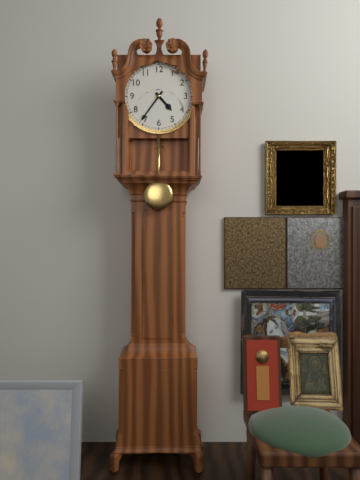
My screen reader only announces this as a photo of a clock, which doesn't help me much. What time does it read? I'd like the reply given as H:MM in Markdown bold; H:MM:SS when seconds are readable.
**4:36**
